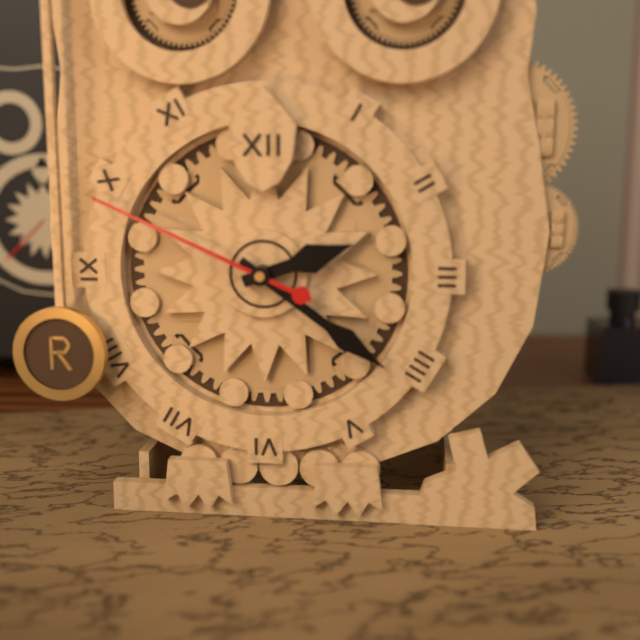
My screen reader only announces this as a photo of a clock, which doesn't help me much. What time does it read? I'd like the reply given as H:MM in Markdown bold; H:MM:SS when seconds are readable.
**2:21:49**
